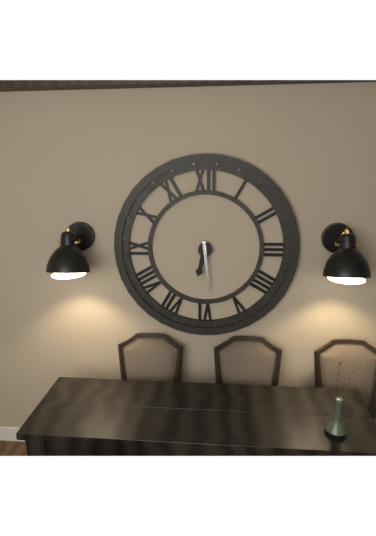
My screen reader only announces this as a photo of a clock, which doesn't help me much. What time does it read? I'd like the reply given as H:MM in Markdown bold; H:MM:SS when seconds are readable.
**6:29**
